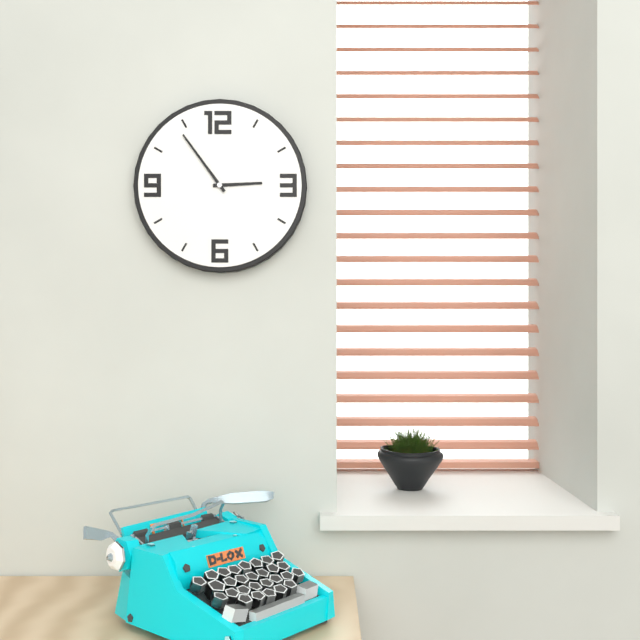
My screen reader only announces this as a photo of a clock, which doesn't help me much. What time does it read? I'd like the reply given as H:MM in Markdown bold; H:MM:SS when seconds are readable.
**2:54**
